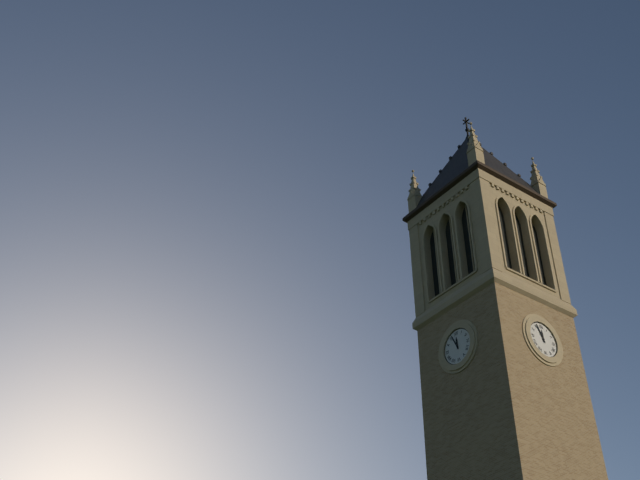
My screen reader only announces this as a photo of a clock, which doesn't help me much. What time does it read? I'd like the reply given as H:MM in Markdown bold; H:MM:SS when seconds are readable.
**11:56**
